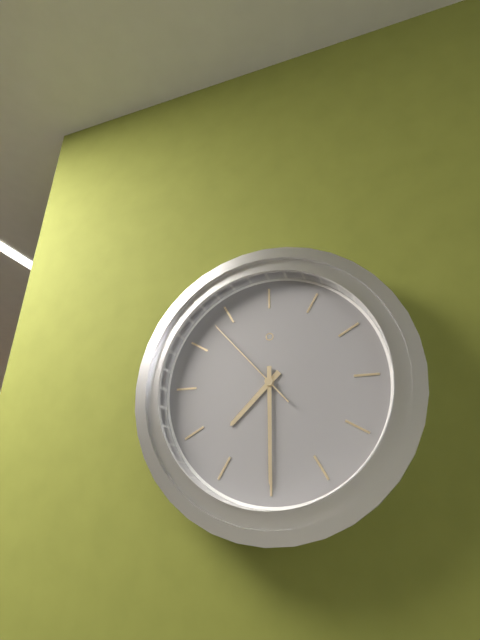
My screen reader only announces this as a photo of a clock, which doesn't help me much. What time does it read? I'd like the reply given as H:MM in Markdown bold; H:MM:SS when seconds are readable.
**7:30:53**
